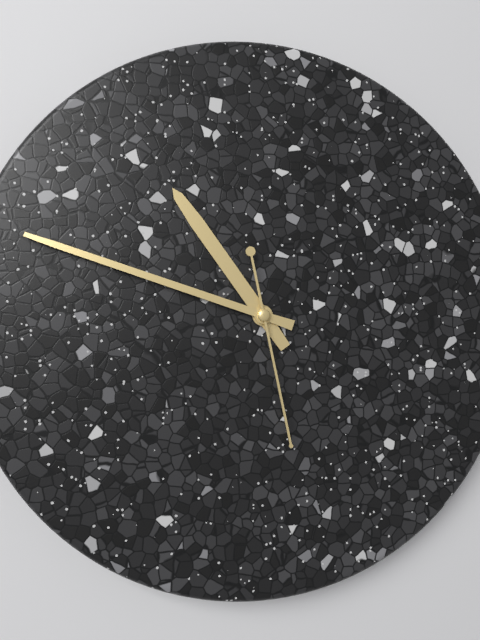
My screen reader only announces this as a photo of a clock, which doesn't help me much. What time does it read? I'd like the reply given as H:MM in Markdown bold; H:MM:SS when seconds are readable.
**10:48:28**
